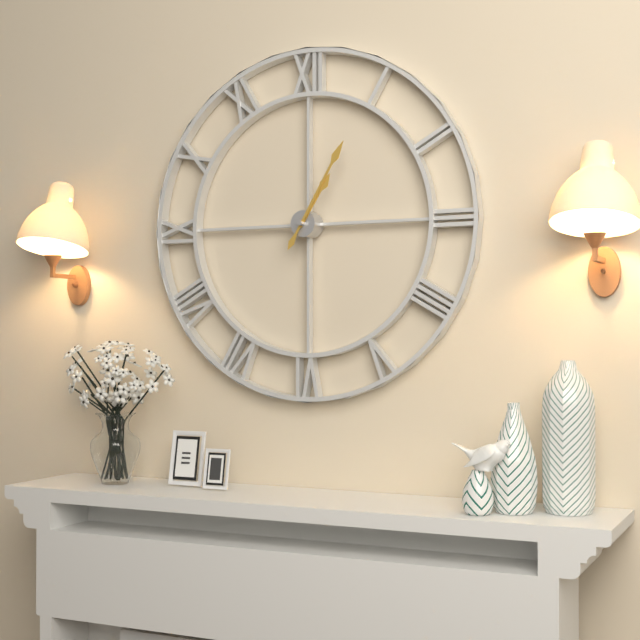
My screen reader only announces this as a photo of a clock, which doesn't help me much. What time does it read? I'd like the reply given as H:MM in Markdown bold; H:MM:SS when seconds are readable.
**1:05**
